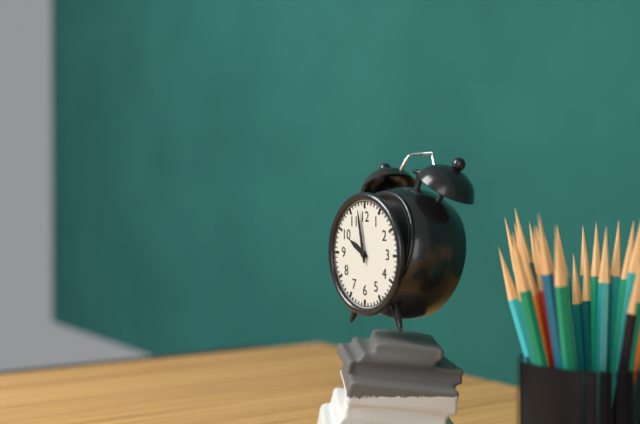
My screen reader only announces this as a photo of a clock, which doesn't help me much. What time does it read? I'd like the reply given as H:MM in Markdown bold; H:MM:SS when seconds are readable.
**9:58**
